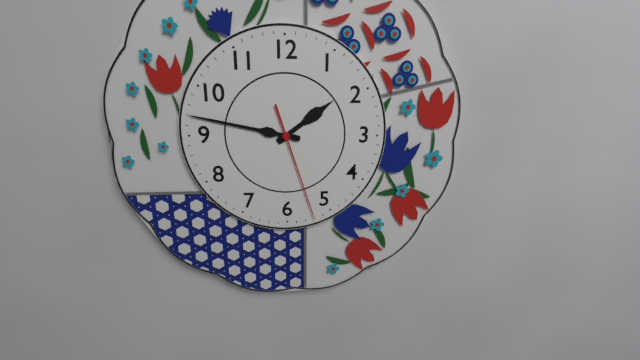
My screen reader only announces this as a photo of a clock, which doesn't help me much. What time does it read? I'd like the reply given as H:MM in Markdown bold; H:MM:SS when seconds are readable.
**1:47:27**
